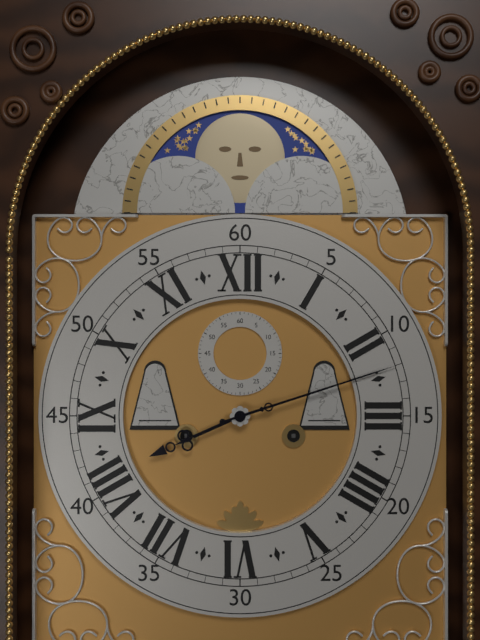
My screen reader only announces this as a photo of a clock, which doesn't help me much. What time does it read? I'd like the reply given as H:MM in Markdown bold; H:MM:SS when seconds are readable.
**8:12**
